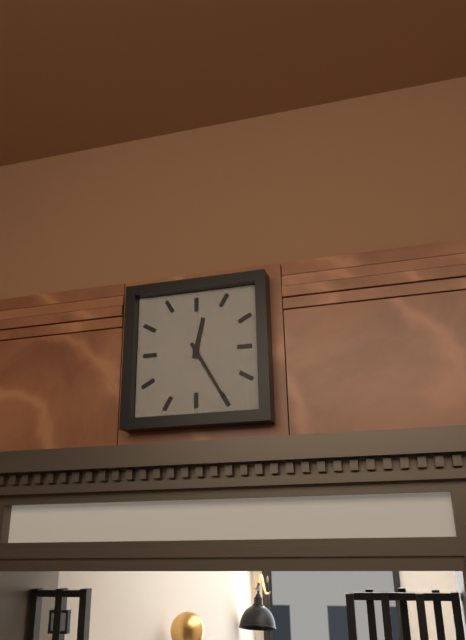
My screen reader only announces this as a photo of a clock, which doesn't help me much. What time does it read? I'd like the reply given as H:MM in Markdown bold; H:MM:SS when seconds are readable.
**12:25**
